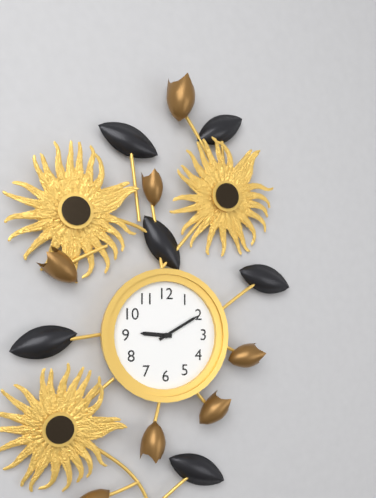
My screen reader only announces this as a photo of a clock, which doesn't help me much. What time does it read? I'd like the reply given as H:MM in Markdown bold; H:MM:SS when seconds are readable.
**9:10**
